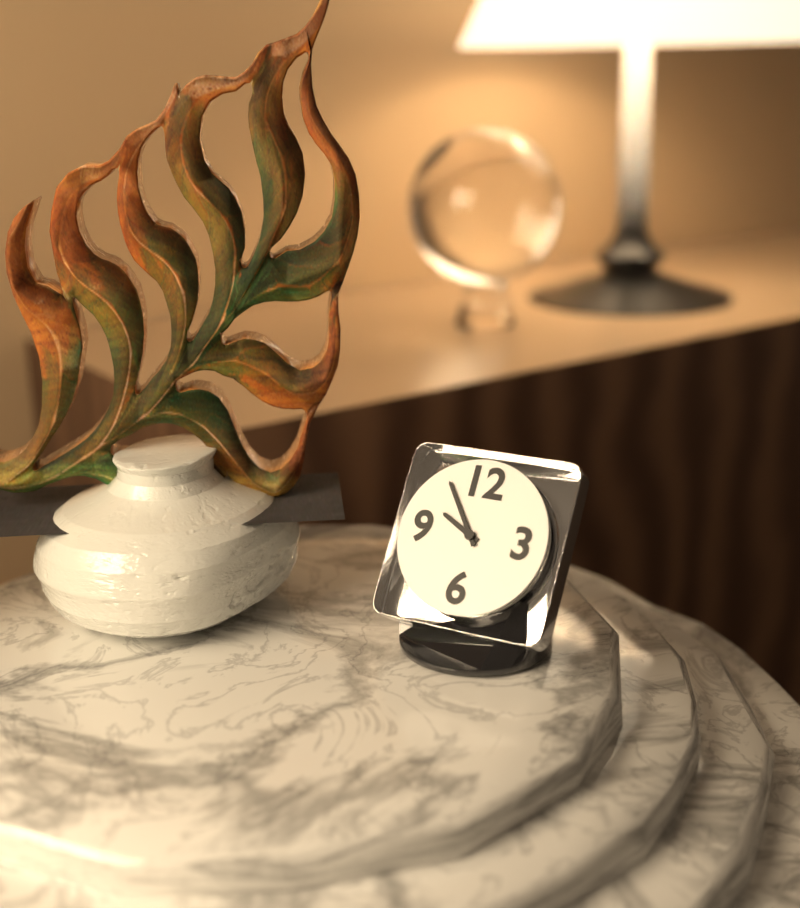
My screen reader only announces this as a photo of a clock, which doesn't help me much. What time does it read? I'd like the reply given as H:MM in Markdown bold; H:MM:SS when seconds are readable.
**9:54**
